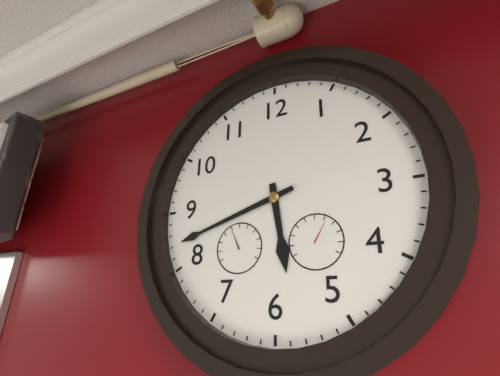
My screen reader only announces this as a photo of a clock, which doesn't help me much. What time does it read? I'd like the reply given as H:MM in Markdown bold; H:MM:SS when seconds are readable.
**5:42**
